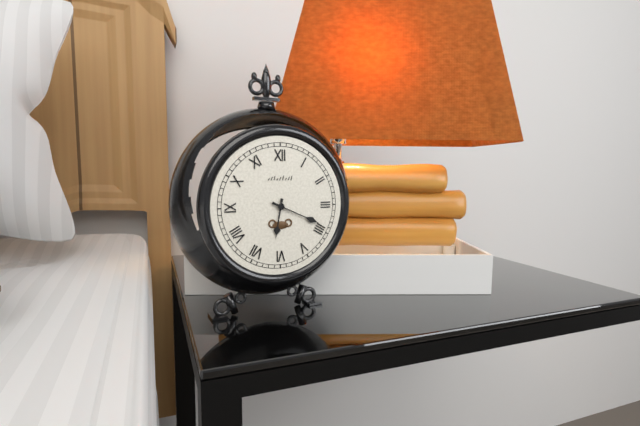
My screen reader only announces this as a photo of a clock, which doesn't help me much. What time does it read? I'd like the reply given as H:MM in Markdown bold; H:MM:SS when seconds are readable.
**6:19**
